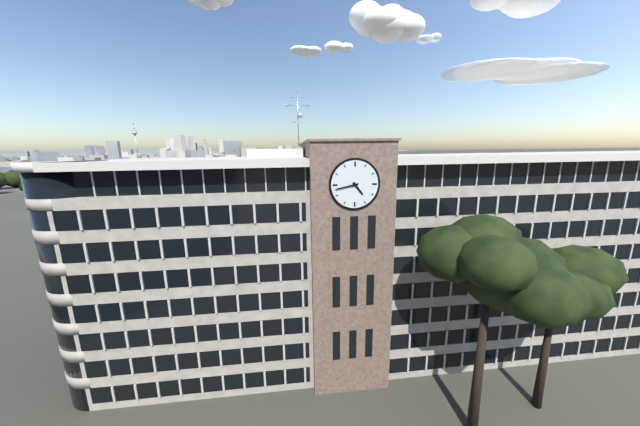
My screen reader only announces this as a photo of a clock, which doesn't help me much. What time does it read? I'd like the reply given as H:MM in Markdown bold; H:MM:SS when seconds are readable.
**4:43**
